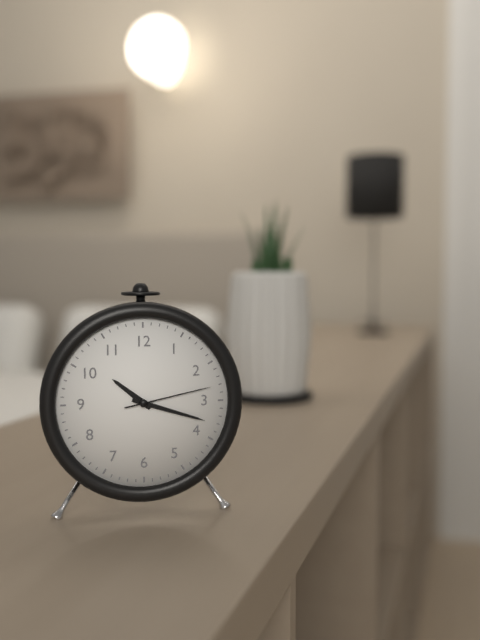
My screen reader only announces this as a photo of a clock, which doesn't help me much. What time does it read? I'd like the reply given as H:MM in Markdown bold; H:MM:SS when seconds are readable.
**10:18:13**
